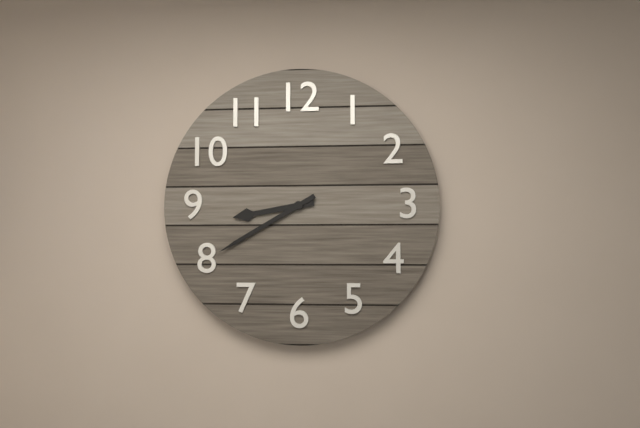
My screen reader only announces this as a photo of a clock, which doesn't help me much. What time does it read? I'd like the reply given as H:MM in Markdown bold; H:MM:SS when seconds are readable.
**8:40**
